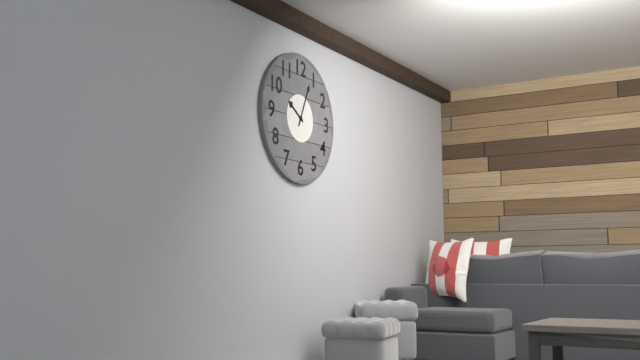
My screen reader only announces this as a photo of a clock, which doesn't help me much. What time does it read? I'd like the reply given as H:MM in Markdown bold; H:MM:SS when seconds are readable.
**10:04**
